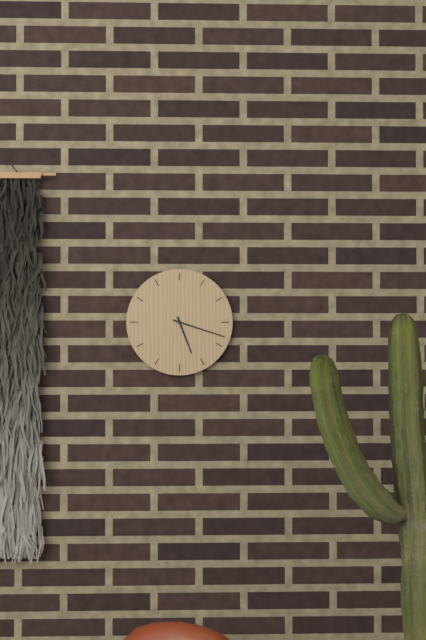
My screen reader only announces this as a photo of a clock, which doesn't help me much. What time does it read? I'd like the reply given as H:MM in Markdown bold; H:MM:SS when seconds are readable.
**5:18**
